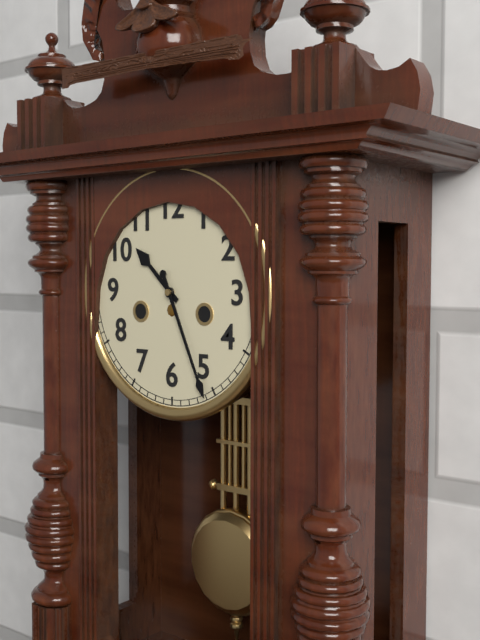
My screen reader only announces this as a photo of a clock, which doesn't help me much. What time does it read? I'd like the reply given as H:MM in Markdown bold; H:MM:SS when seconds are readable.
**10:26**
